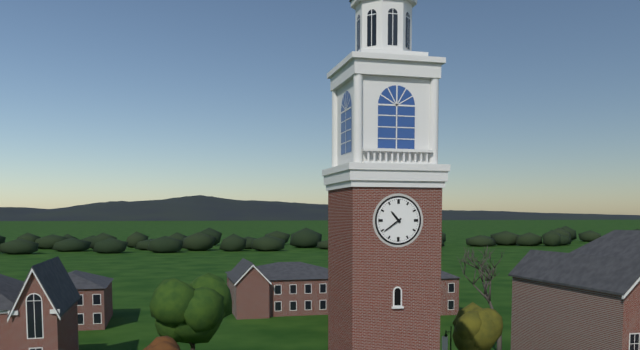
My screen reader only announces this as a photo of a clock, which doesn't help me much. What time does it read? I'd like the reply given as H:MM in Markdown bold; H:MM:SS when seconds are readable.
**10:39**
